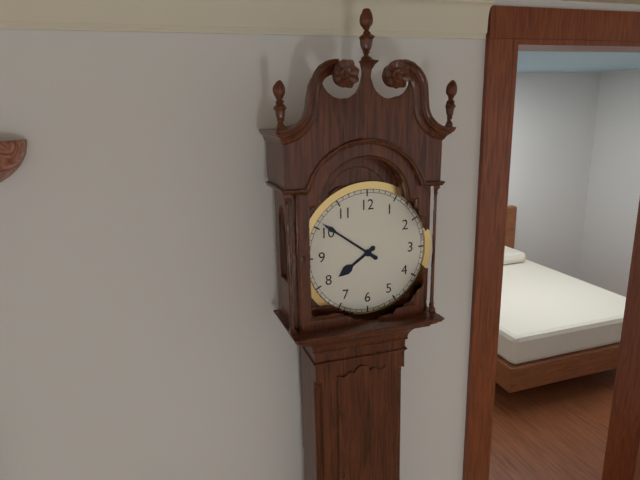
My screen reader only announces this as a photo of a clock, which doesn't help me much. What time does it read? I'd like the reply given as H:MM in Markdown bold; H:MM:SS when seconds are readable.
**7:51**
